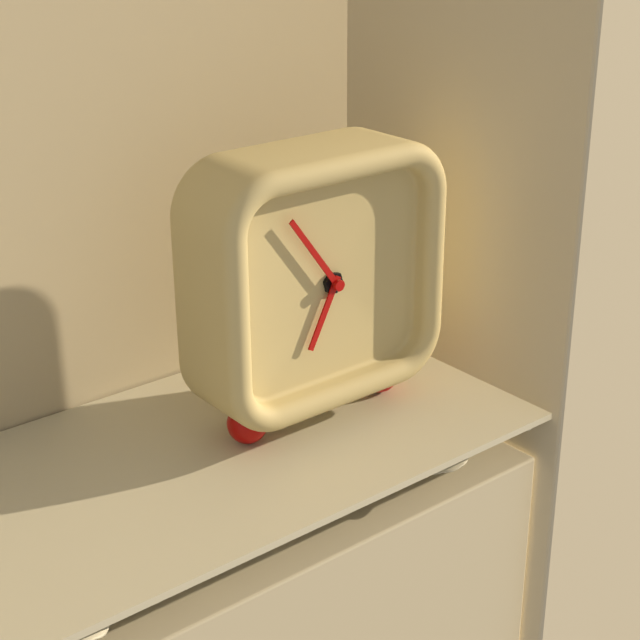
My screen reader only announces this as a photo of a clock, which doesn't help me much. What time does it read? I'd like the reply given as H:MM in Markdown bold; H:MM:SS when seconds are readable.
**6:54**
